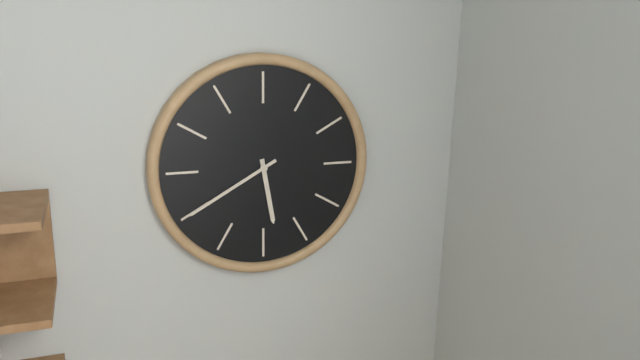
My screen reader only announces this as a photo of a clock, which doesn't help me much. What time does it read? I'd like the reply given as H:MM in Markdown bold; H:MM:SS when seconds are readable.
**5:40**
